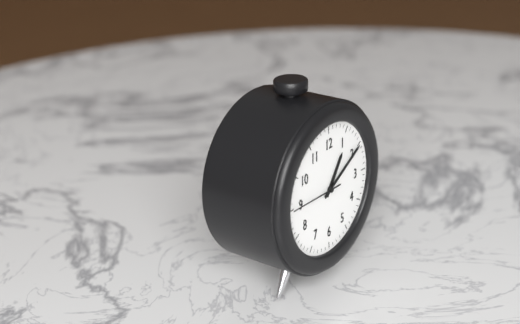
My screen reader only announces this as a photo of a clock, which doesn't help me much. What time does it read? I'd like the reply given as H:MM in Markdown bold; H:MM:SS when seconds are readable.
**1:10:45**
